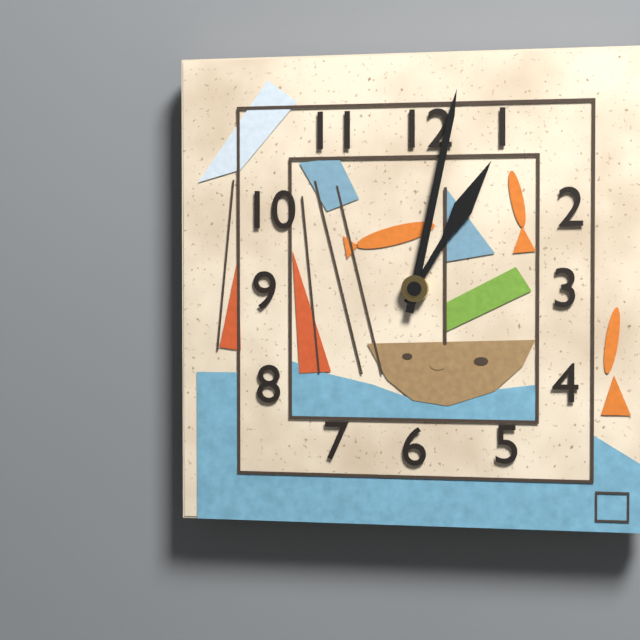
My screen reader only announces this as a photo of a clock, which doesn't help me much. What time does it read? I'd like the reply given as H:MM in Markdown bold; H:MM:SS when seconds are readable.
**1:02**
